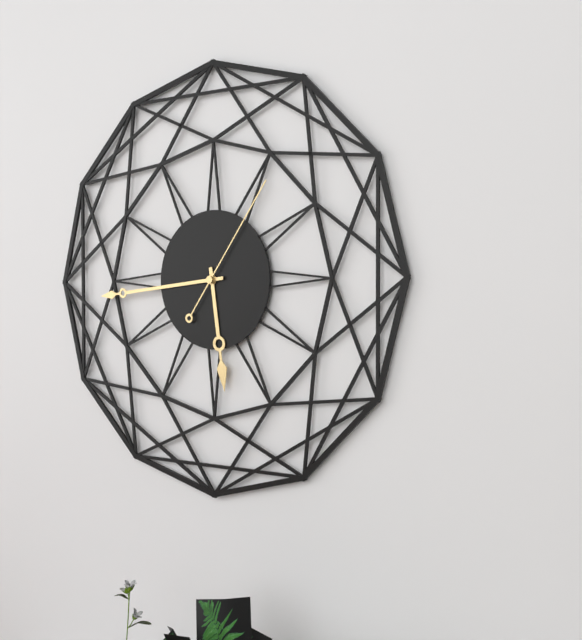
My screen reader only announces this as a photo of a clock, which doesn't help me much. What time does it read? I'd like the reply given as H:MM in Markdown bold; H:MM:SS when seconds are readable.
**5:44:06**
